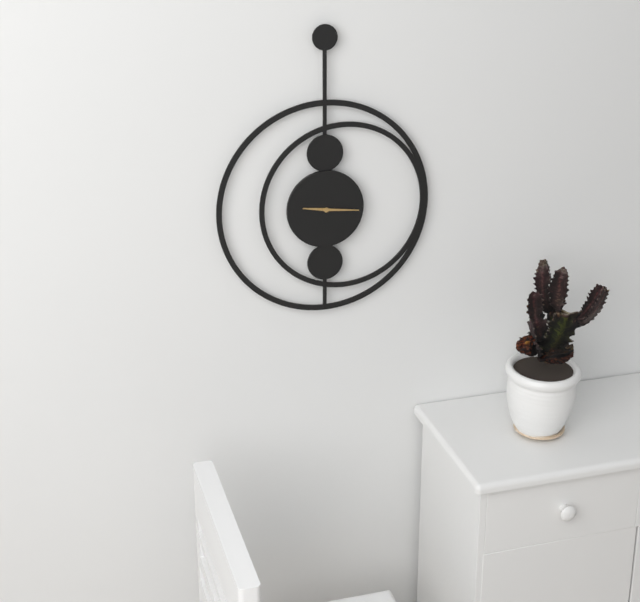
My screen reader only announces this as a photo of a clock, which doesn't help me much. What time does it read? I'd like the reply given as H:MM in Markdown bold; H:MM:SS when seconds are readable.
**9:16**
